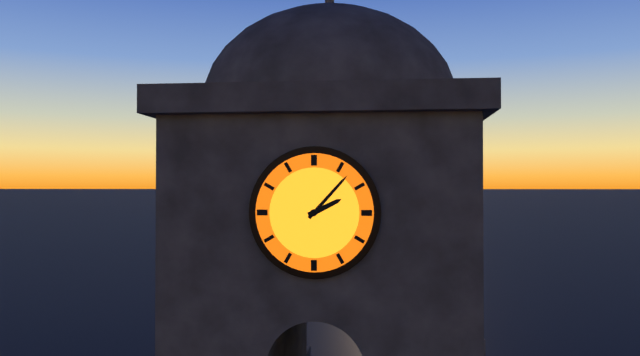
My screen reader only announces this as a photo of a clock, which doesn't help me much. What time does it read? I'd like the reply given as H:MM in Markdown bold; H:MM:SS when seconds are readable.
**2:07**
